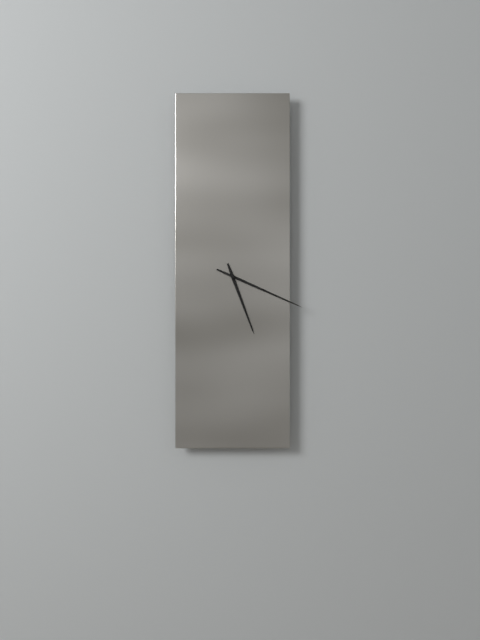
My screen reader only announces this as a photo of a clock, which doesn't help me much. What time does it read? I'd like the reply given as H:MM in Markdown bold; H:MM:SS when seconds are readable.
**5:19**
